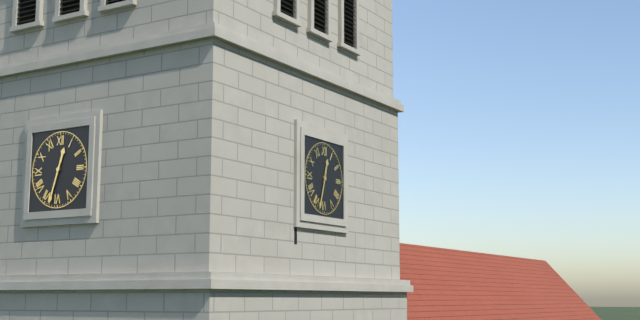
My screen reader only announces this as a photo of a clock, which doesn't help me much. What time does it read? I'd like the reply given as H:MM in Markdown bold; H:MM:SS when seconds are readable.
**12:33**
